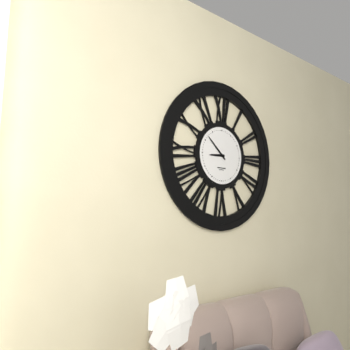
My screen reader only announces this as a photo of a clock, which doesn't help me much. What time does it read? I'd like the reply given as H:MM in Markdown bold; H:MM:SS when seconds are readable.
**8:52**
